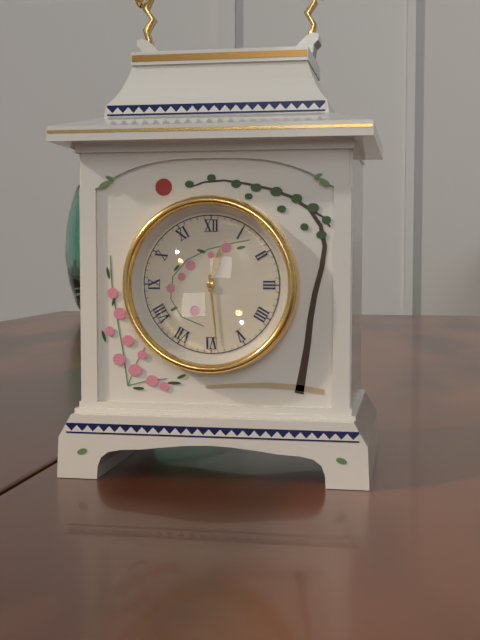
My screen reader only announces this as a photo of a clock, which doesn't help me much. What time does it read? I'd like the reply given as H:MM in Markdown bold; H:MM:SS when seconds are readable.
**12:29**
